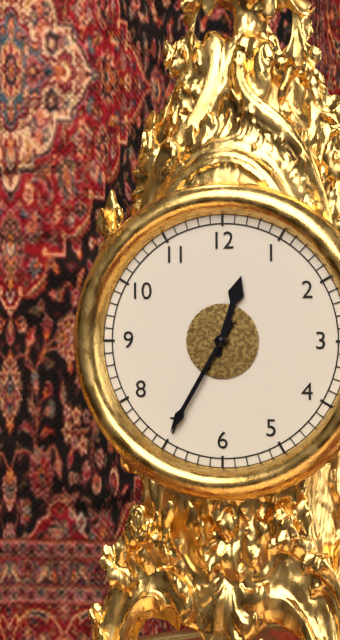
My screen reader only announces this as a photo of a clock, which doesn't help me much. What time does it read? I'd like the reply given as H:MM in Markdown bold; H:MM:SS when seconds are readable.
**12:35**
